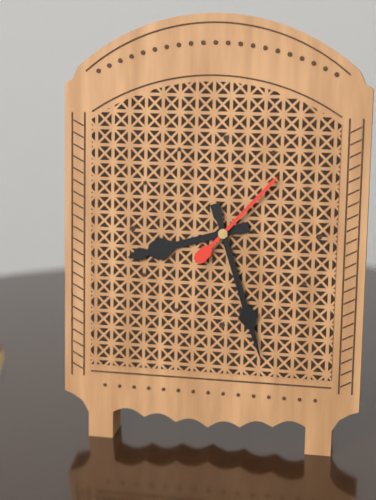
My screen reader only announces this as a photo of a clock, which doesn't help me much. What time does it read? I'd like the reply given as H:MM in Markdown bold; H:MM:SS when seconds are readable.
**8:27:07**
